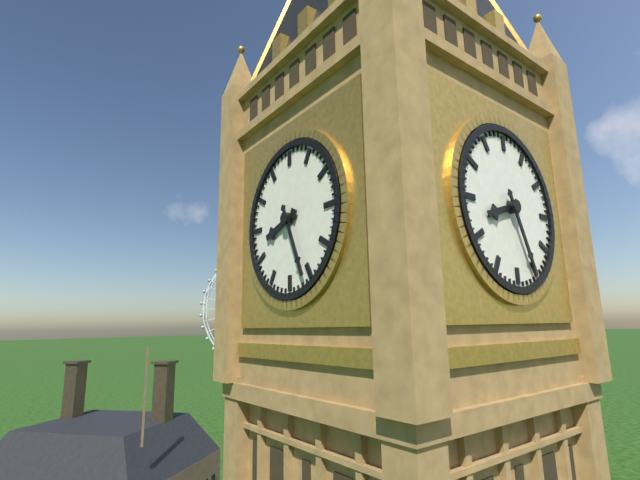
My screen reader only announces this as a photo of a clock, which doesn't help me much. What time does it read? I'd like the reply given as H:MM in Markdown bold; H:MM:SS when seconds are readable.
**8:26**
